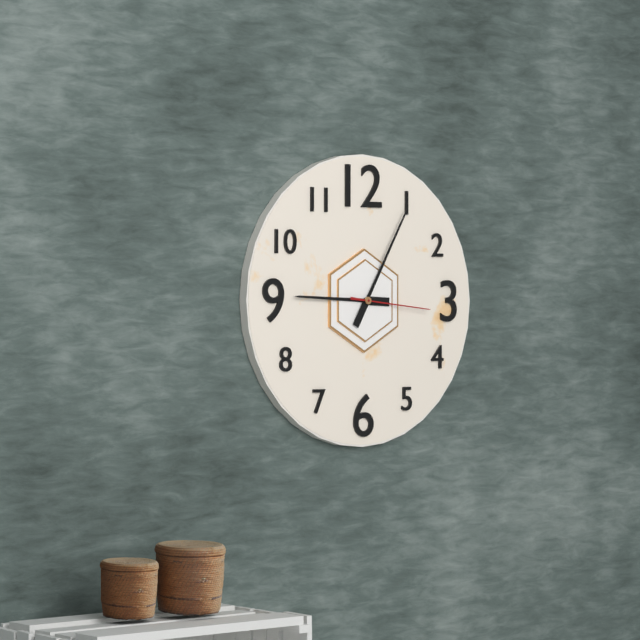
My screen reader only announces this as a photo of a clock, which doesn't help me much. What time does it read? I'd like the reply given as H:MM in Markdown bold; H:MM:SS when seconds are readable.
**9:05:16**
